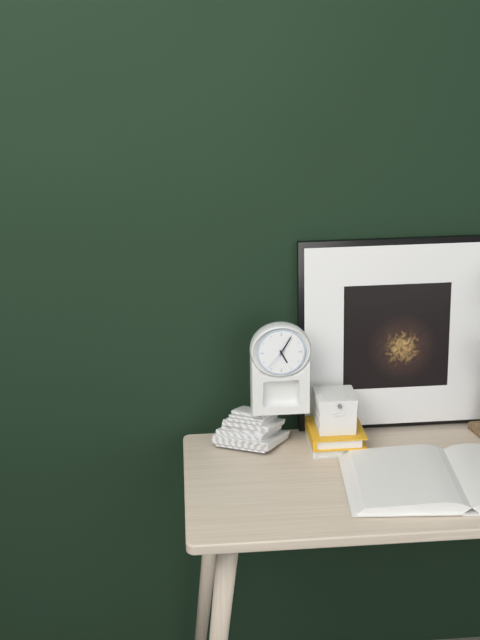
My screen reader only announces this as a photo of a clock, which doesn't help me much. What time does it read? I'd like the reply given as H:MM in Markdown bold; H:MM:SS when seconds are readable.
**5:05**
